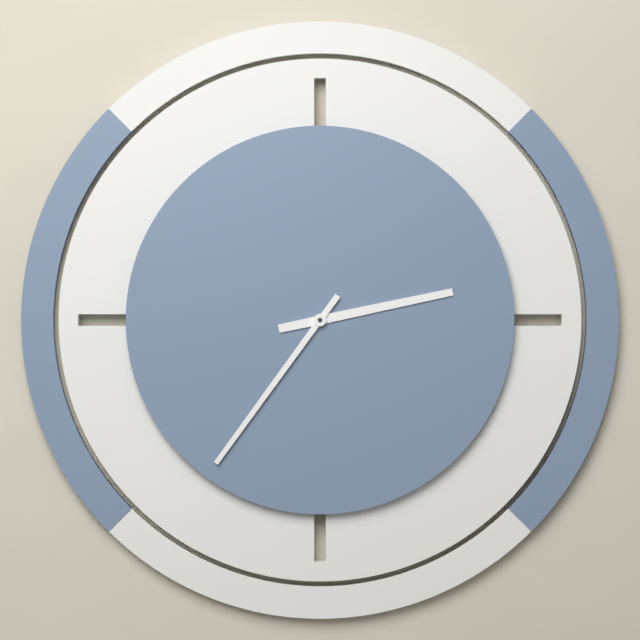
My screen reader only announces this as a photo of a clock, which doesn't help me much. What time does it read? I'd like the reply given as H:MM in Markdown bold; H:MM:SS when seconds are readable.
**2:36**
